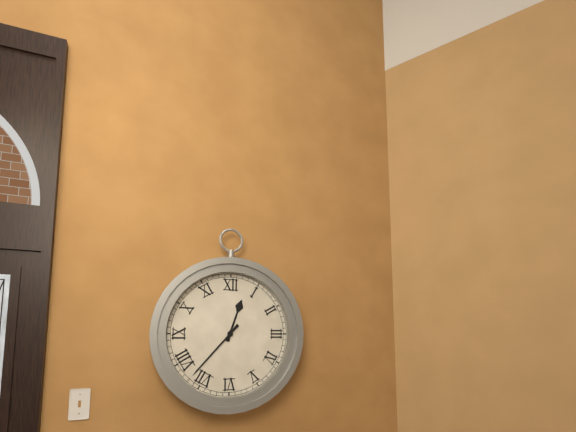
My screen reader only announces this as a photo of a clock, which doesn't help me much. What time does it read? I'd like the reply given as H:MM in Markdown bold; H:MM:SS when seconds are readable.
**12:37**
